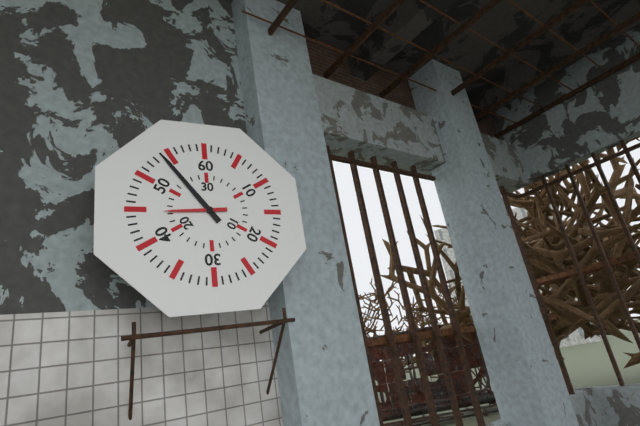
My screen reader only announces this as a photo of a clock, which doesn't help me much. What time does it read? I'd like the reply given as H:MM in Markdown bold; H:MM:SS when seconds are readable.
**8:54**
